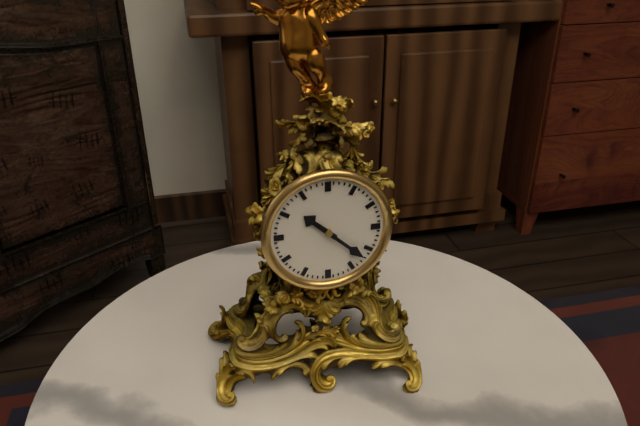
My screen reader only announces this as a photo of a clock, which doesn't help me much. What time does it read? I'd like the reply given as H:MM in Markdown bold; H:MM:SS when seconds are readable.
**10:22**
